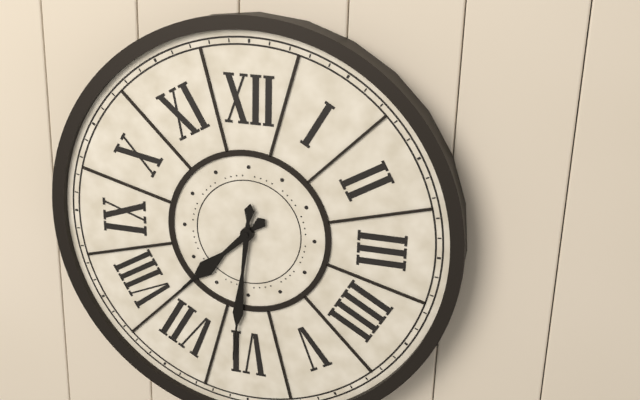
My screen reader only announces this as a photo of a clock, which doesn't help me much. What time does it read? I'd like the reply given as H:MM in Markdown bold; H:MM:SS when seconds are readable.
**7:31**
